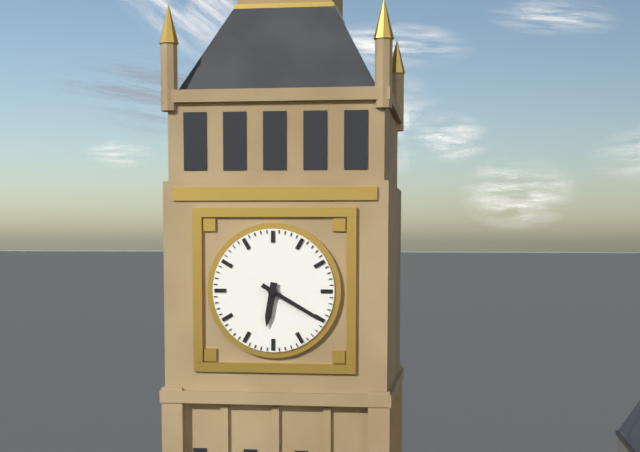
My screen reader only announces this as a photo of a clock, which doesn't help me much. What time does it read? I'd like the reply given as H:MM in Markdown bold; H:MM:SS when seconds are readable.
**6:20**
